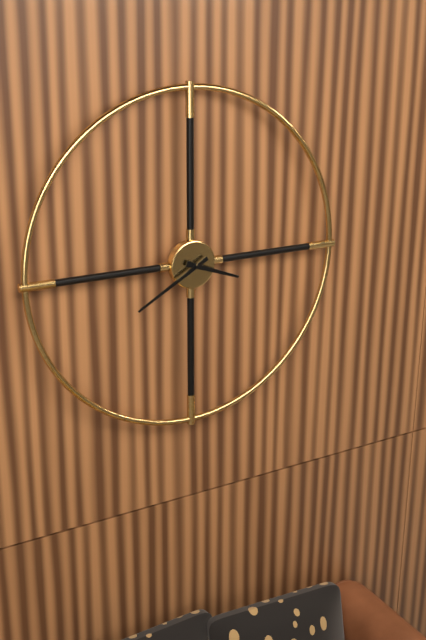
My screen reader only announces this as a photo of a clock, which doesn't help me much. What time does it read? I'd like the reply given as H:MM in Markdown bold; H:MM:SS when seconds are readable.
**3:40**
